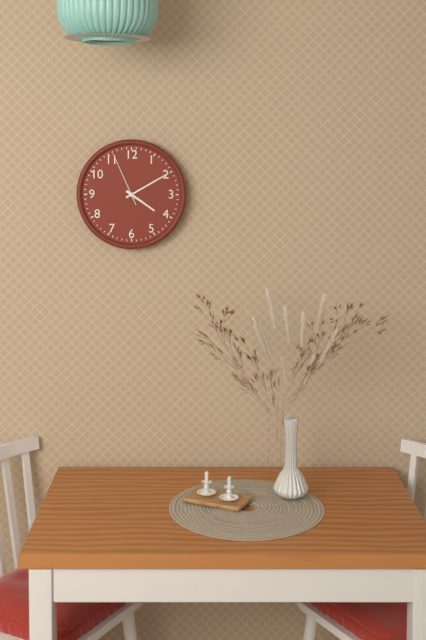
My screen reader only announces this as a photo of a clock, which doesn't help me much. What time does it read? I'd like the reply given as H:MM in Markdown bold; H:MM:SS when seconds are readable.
**4:10:56**
